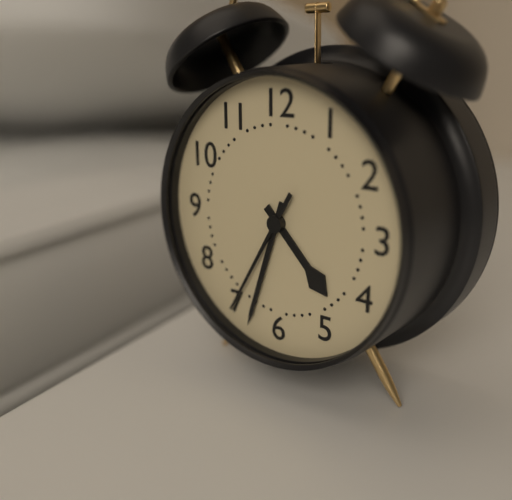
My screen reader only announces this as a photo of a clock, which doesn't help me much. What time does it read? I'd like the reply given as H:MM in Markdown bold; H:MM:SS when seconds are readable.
**4:33:35**
